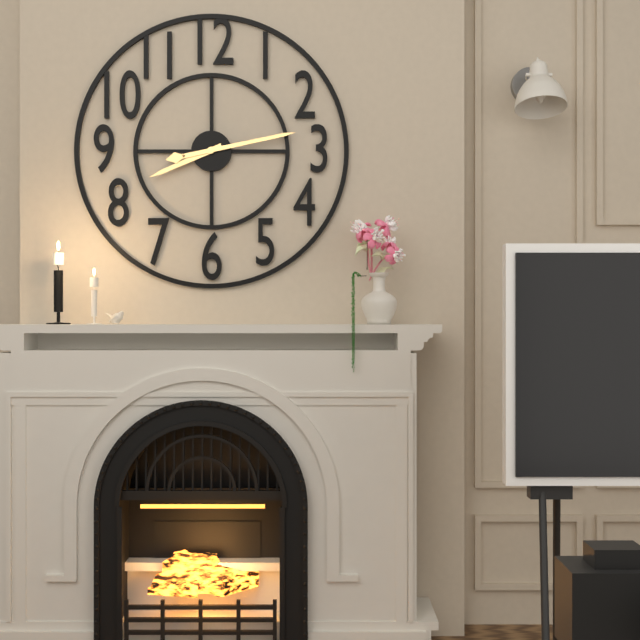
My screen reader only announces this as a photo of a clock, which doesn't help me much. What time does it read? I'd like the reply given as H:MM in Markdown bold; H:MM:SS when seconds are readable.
**8:13**
